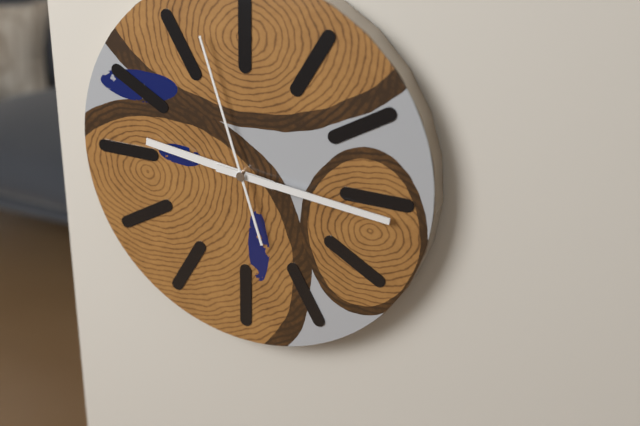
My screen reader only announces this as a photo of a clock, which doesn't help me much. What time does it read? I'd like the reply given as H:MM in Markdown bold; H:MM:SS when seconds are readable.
**9:16:57**
